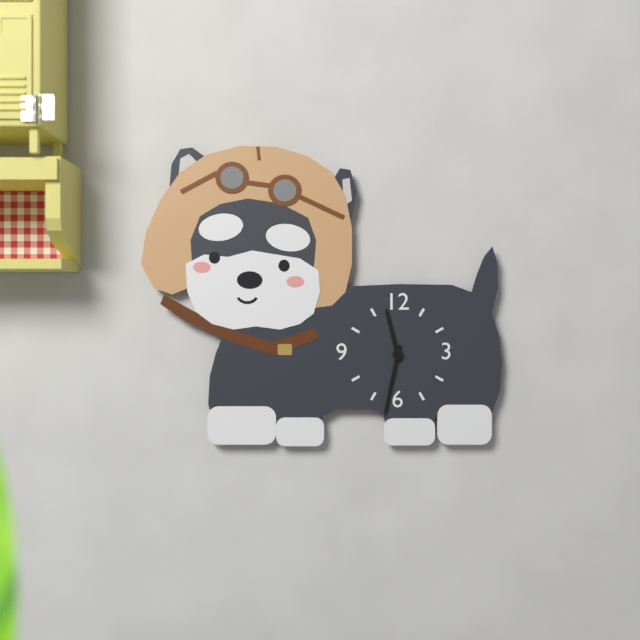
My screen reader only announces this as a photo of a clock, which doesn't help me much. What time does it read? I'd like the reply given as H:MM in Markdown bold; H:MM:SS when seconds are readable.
**11:32**
